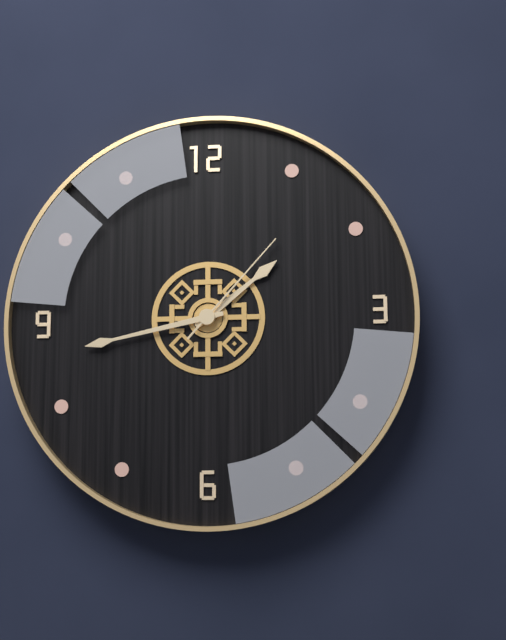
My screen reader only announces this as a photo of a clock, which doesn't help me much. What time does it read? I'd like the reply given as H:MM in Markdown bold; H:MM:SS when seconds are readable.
**1:43:07**
